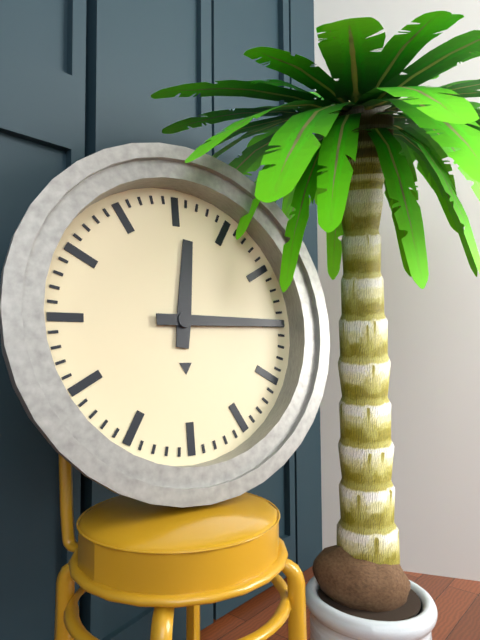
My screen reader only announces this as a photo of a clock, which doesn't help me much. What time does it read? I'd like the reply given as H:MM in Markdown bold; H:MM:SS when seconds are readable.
**12:15**
